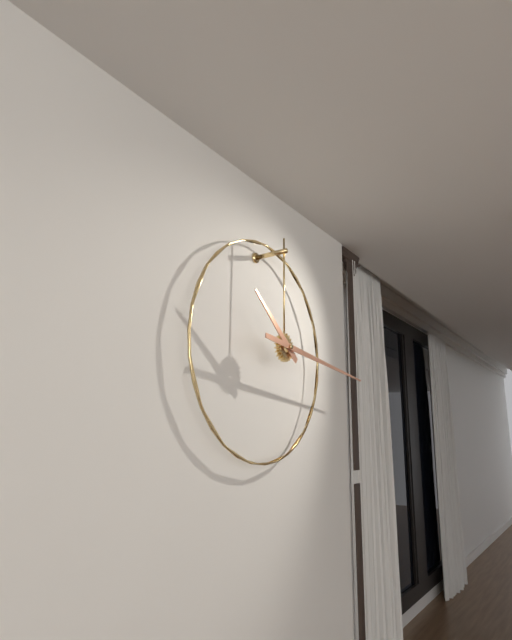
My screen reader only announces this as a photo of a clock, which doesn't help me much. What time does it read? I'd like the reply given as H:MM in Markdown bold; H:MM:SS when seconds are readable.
**10:16**
